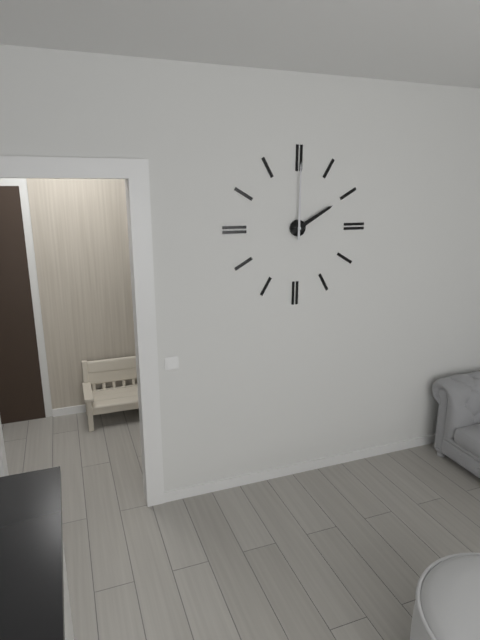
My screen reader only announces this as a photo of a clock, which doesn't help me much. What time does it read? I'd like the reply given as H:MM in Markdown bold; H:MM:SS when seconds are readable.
**2:00**
